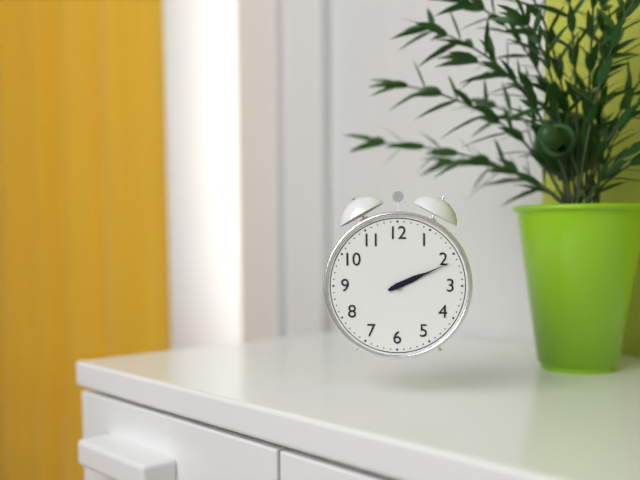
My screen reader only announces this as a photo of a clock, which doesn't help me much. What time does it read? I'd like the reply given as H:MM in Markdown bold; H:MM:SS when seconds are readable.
**2:11**
